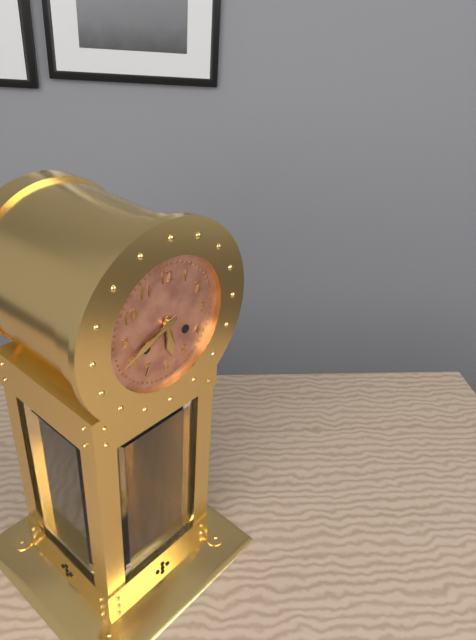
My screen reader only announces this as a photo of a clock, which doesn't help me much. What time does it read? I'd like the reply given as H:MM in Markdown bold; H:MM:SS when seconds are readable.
**5:41**
